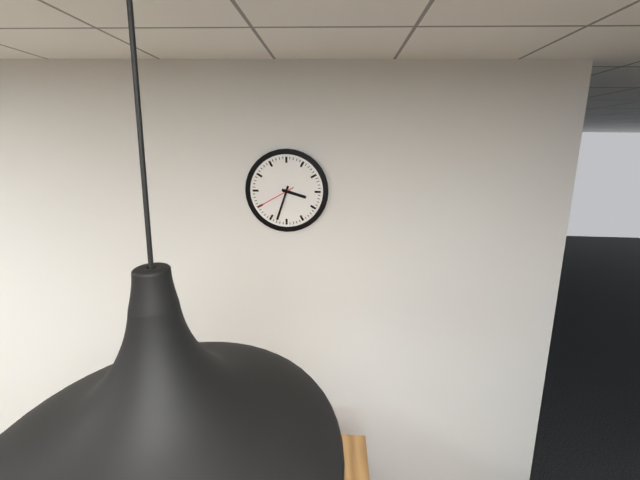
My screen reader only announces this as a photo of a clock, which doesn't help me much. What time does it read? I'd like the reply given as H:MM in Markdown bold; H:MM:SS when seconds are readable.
**3:33**
